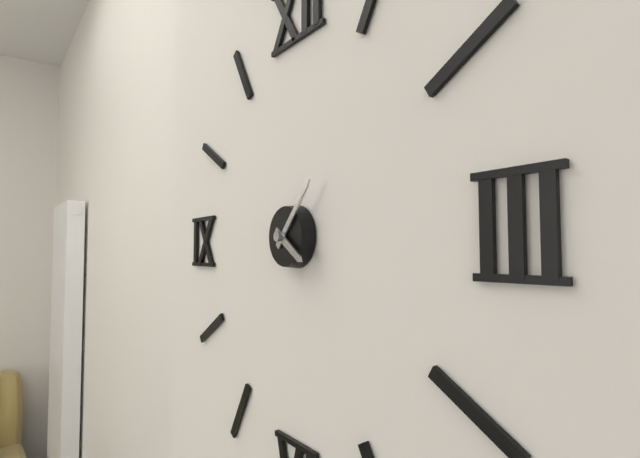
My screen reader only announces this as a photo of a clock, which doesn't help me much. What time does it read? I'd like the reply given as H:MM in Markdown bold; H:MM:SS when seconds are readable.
**4:07**
